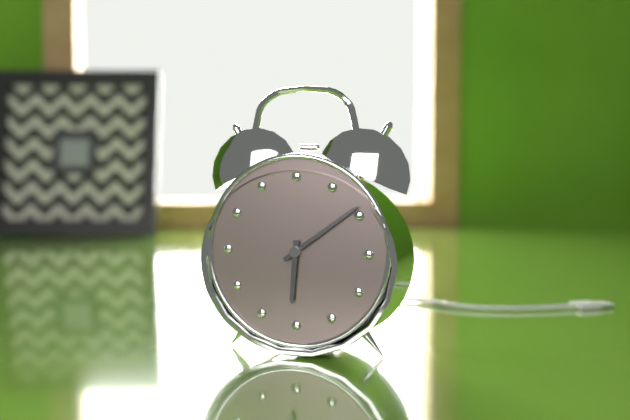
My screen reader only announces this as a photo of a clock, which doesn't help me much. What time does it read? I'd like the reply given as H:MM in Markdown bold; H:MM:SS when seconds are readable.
**6:09**
